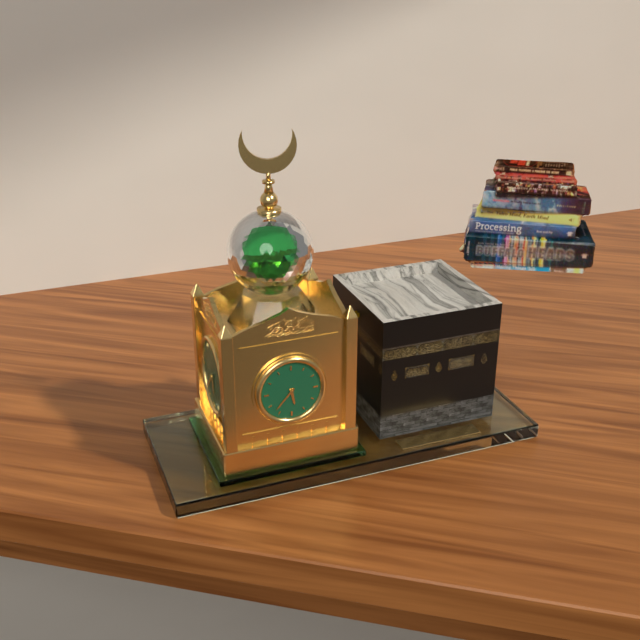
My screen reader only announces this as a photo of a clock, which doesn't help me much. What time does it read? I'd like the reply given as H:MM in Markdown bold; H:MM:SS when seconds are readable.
**5:37**
